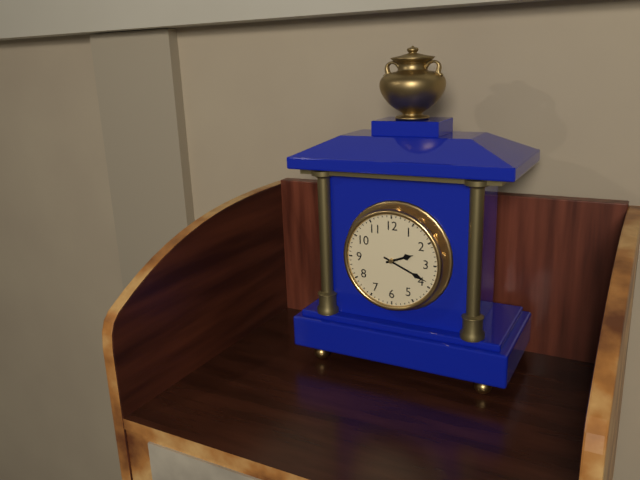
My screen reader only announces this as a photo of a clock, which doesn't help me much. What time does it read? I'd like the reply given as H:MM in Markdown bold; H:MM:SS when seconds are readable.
**2:19**
